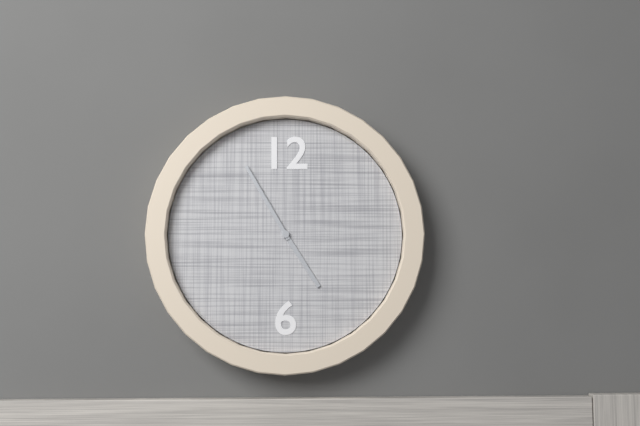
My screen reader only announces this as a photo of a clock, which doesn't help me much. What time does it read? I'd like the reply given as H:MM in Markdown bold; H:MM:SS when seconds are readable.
**4:55**
